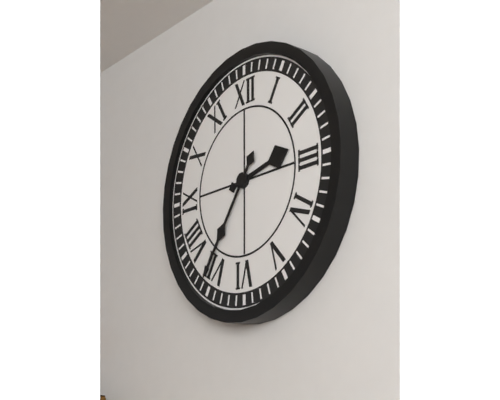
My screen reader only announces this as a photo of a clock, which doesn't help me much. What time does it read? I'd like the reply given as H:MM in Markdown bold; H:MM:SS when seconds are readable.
**2:36**
